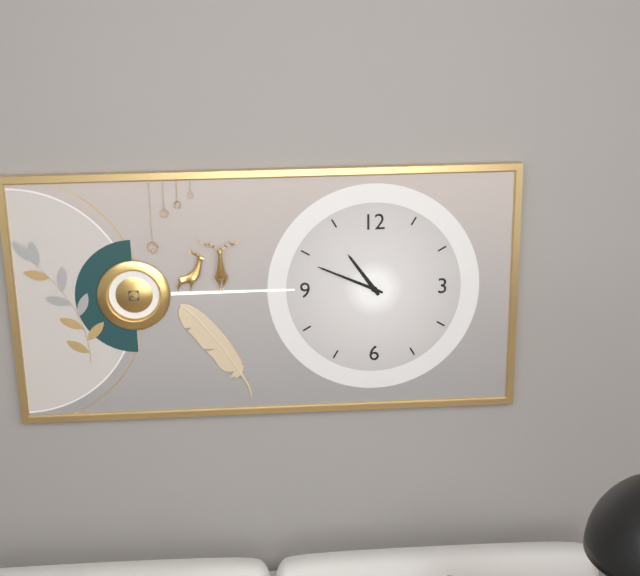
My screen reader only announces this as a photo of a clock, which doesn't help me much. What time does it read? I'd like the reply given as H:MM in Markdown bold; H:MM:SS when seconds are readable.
**10:49**
